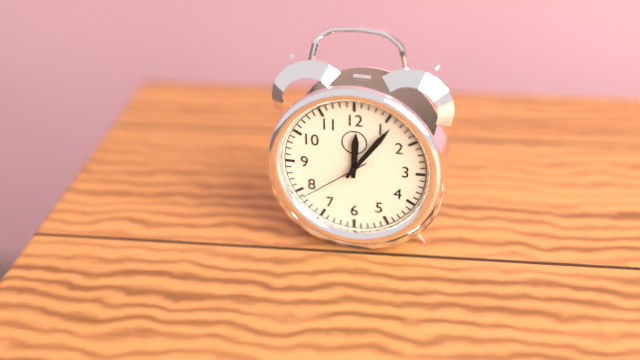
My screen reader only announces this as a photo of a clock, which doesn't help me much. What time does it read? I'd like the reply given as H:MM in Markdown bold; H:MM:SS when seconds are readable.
**12:06:39**
